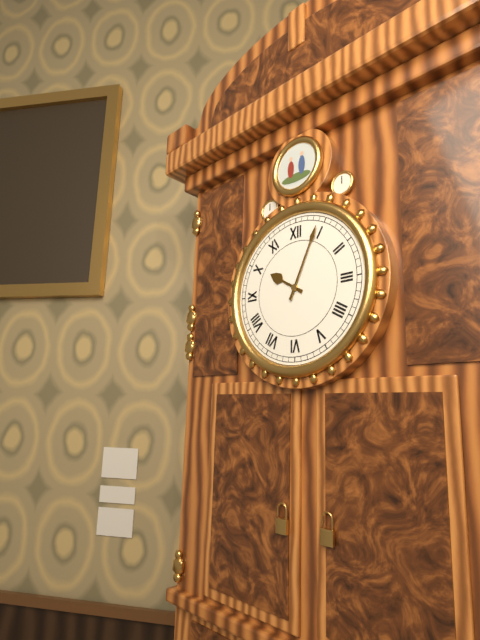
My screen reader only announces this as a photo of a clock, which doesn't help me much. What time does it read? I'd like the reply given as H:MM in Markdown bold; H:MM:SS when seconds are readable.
**10:04**
